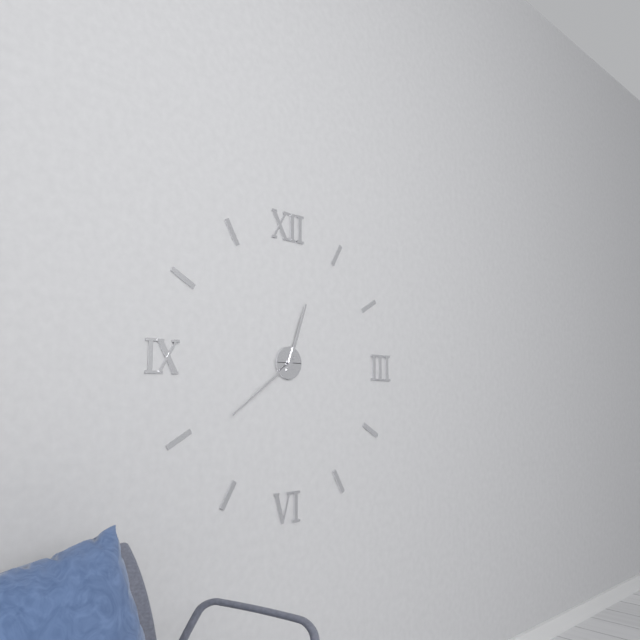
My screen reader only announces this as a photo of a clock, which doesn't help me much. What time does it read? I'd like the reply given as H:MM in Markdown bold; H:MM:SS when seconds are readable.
**12:39**
